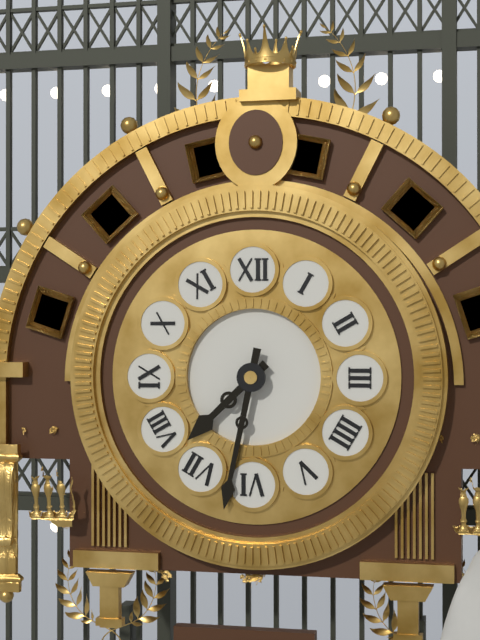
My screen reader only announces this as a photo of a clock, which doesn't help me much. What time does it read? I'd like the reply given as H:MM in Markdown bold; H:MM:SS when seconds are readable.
**7:32**
